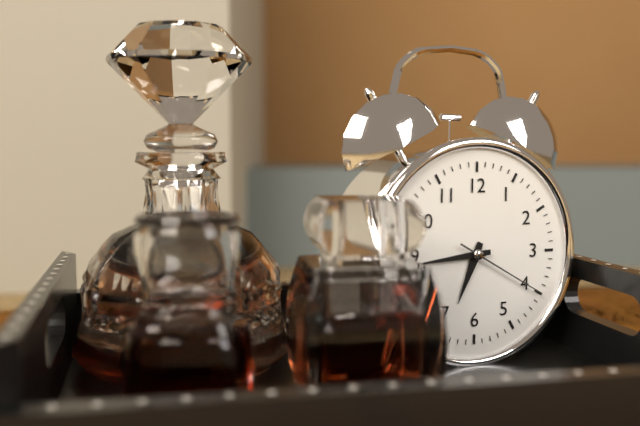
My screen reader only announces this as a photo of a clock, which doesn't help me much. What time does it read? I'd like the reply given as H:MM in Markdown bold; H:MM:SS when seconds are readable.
**6:44:20**
